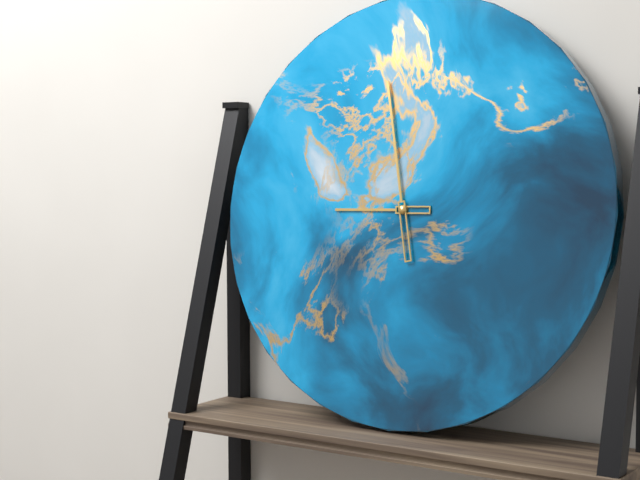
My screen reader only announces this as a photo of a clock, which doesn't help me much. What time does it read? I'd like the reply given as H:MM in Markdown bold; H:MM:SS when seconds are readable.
**8:58**
